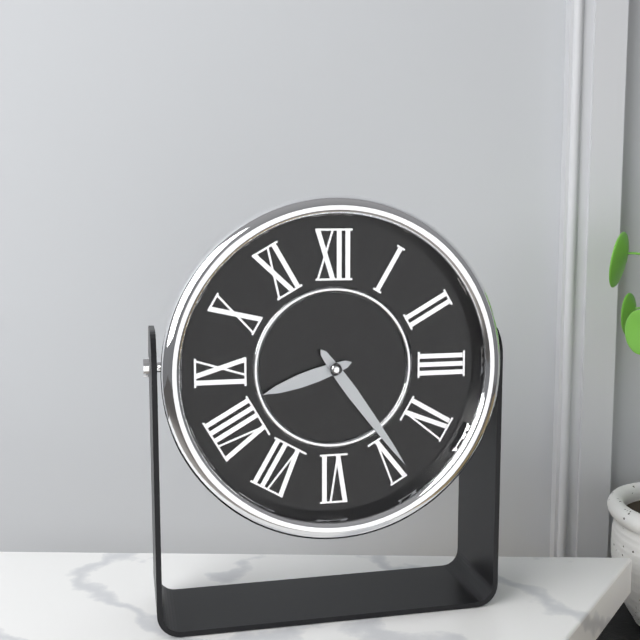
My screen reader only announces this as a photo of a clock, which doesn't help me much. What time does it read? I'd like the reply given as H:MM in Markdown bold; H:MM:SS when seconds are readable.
**8:24**
